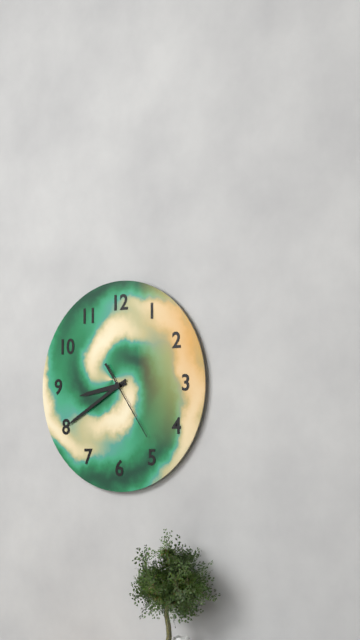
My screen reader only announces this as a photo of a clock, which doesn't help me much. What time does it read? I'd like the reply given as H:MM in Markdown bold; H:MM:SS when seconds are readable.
**8:40:24**
